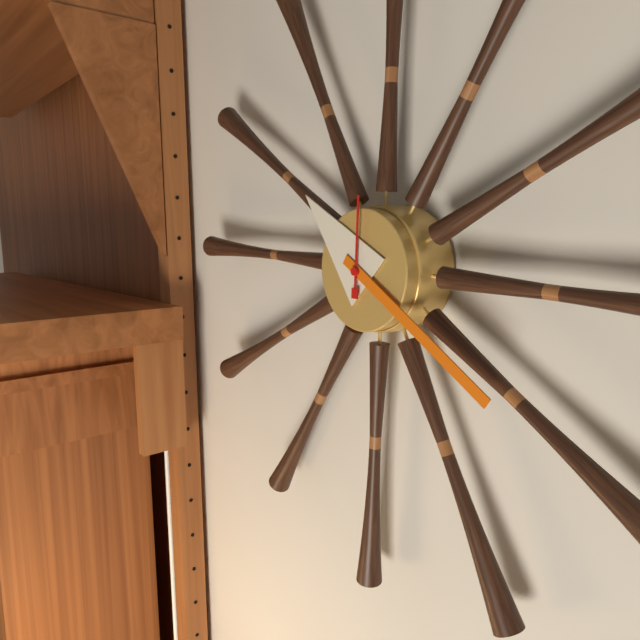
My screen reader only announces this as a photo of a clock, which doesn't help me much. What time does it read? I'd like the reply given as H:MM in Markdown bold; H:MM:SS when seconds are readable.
**10:20:00**
